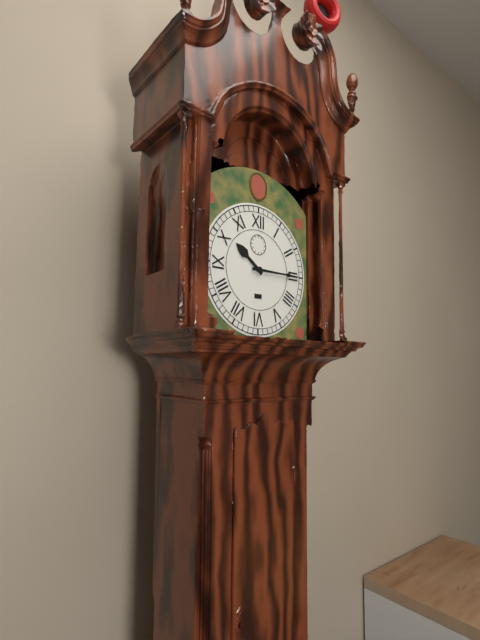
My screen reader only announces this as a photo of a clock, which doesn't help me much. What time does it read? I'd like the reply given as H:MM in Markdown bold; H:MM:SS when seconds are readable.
**10:15**
